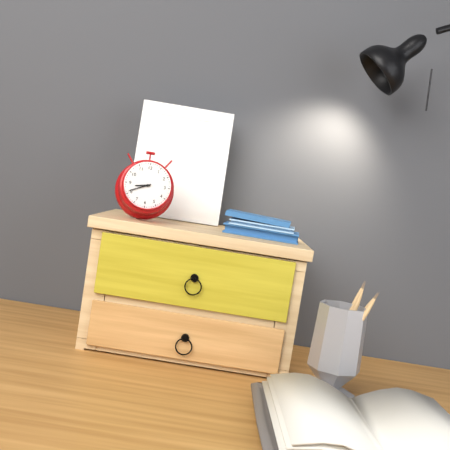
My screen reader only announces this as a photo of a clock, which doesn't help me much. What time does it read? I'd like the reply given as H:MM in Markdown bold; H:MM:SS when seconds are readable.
**8:41**
